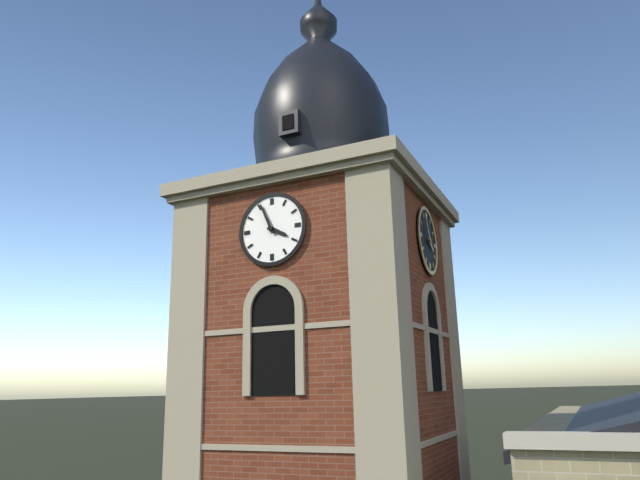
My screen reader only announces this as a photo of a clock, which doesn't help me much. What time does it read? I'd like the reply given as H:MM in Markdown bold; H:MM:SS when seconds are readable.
**3:56**
